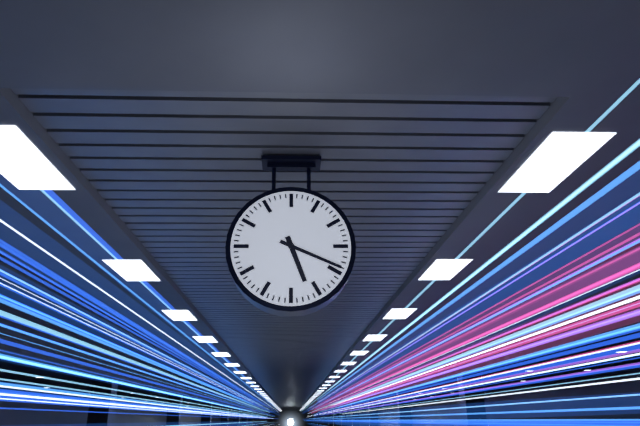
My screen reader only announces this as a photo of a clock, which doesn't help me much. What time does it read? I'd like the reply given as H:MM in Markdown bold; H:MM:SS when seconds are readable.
**5:19**
